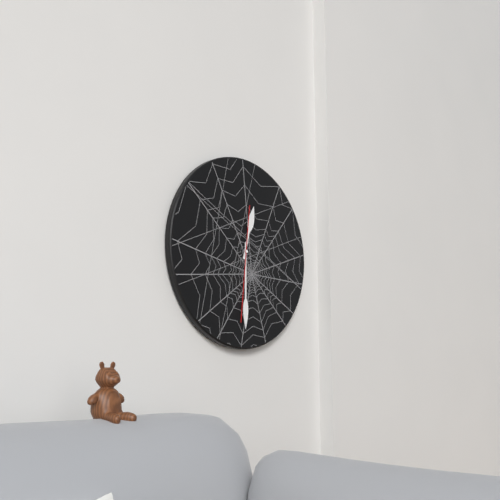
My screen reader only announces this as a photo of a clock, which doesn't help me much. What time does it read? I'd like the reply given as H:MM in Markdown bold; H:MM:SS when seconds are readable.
**12:30:31**
